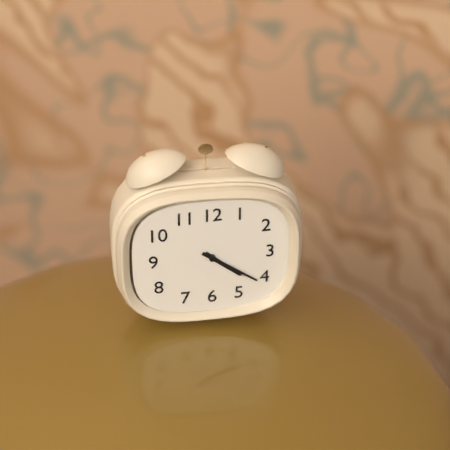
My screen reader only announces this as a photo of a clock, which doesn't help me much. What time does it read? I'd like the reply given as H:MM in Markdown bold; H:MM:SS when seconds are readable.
**4:21**
